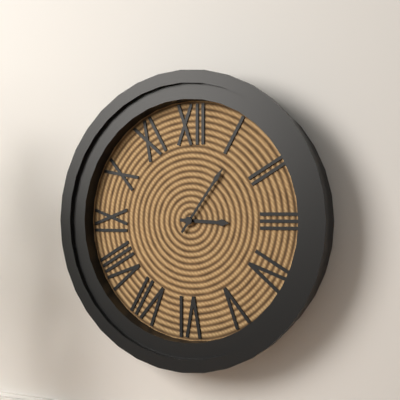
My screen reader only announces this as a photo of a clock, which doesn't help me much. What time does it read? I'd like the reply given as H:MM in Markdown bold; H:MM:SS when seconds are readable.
**3:06**
